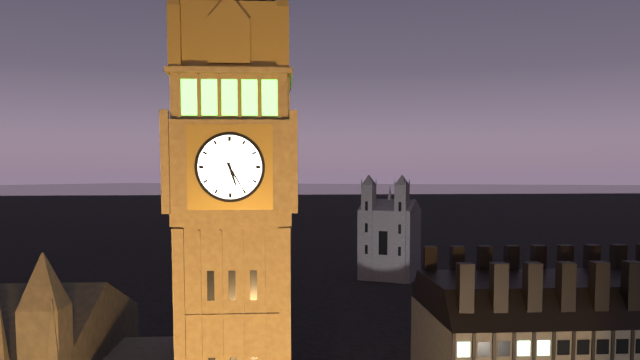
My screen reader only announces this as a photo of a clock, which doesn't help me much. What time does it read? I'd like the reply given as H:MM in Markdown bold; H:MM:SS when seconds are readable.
**5:25**
